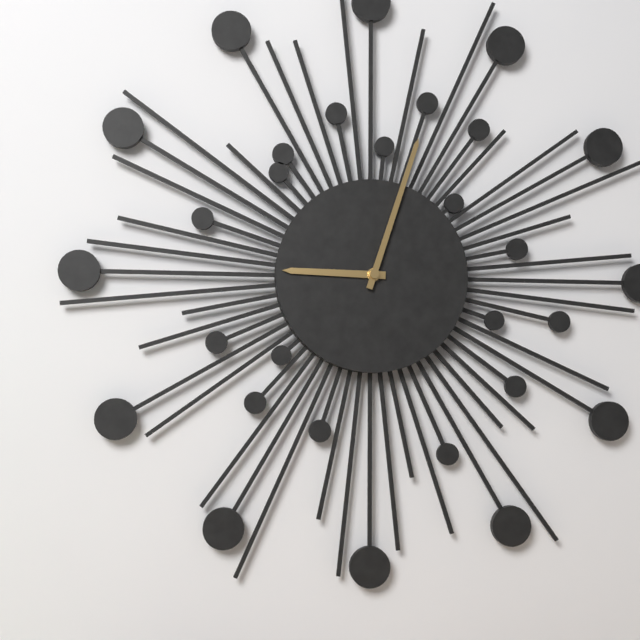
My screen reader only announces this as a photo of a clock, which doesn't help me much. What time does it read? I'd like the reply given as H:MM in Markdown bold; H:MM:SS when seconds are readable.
**9:03**
